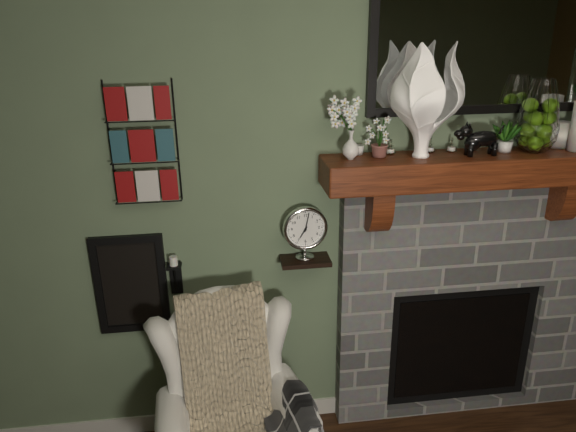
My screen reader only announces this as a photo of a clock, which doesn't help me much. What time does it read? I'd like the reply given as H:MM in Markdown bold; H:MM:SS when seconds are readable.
**7:02**
